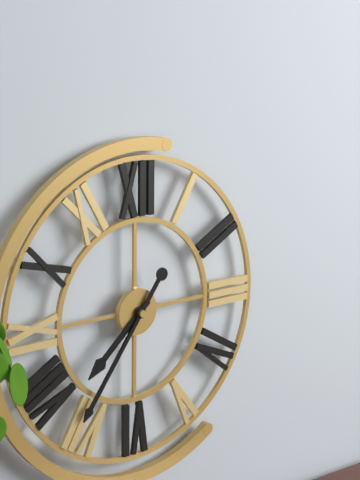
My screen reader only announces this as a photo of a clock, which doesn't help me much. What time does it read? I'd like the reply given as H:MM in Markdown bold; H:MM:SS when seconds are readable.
**7:36**
